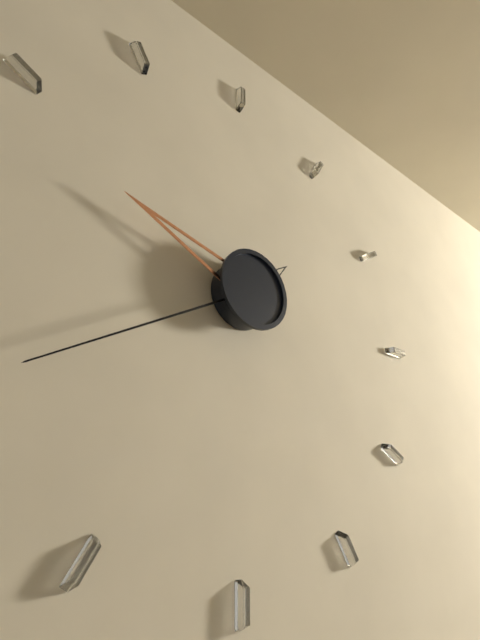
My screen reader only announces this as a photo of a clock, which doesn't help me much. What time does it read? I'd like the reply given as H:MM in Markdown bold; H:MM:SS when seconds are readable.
**9:40:08**
